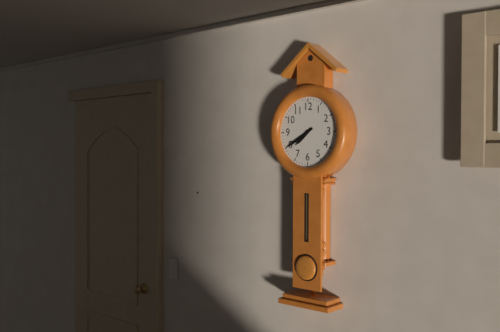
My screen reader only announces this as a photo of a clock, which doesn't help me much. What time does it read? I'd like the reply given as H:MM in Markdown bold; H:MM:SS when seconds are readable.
**7:40**
